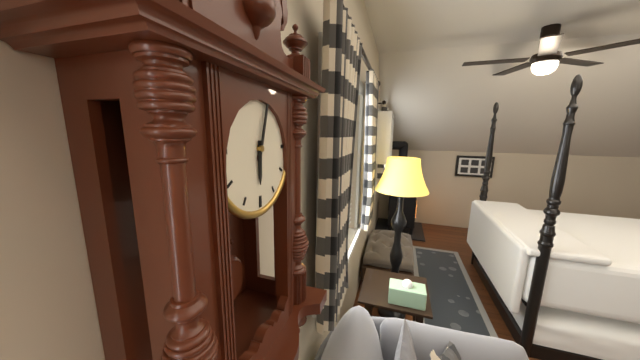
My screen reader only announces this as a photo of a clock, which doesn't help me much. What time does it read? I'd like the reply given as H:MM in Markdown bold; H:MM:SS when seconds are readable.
**6:03**
